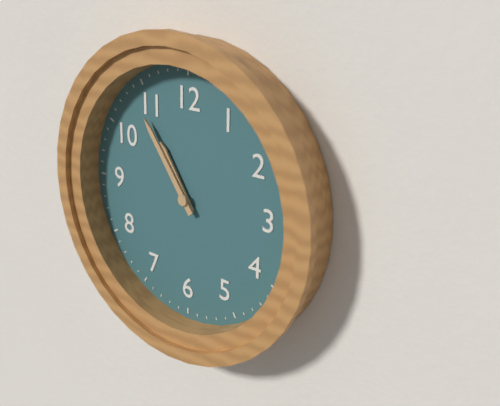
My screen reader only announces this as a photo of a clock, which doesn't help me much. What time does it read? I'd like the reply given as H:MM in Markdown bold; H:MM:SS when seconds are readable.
**10:54**
